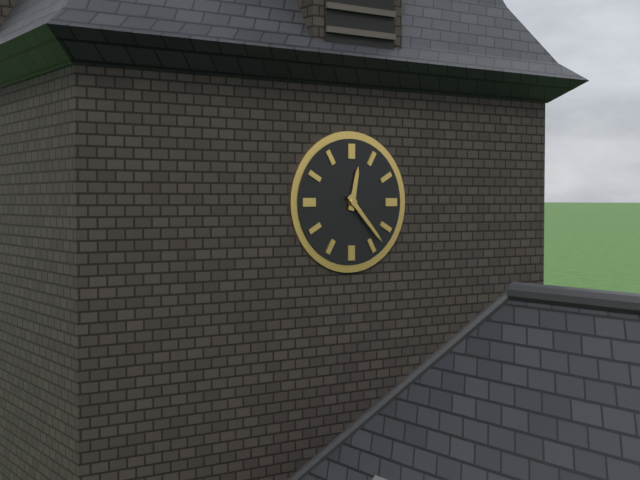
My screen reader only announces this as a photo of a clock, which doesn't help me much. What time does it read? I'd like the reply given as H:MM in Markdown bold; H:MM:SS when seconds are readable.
**12:23**
